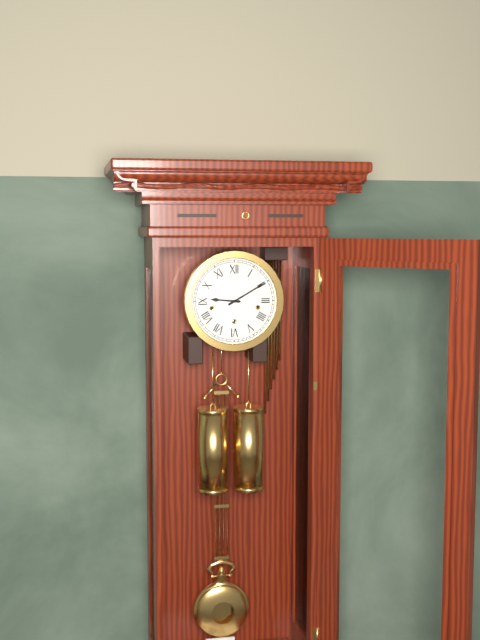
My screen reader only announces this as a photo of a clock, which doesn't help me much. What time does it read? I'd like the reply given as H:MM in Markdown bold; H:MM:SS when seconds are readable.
**9:10**
